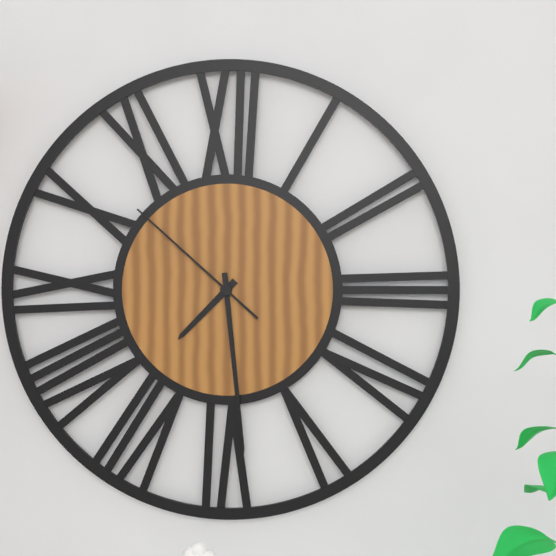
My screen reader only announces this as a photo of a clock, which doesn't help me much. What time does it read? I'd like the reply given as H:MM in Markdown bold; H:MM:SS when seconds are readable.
**7:29:52**
